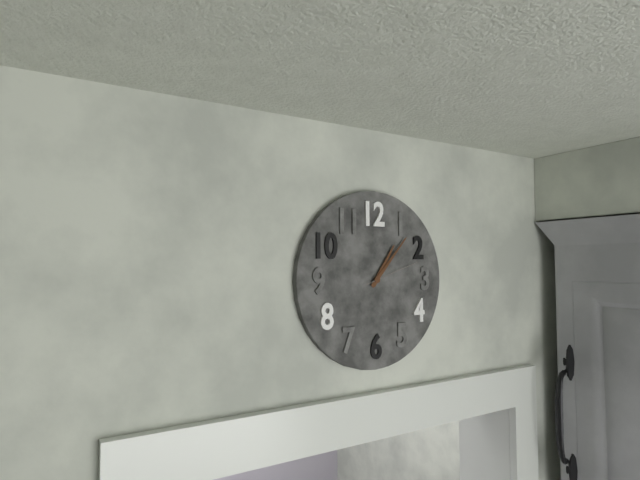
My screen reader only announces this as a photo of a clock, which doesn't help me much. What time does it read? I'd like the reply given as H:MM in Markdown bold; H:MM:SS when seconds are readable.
**1:07:12**
